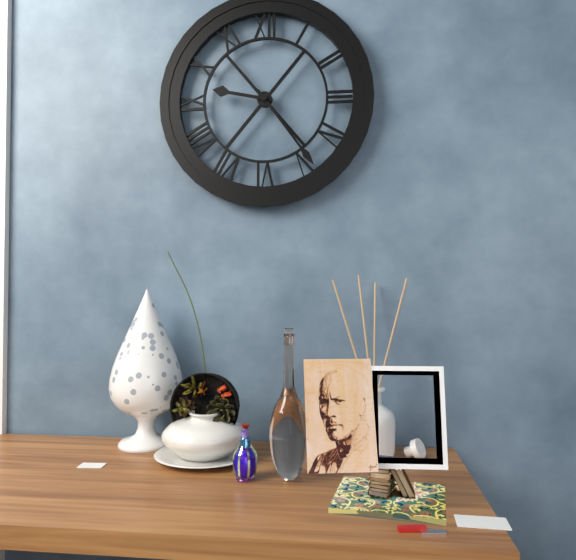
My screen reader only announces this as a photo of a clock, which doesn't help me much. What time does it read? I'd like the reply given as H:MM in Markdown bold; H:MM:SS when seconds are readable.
**9:24**
